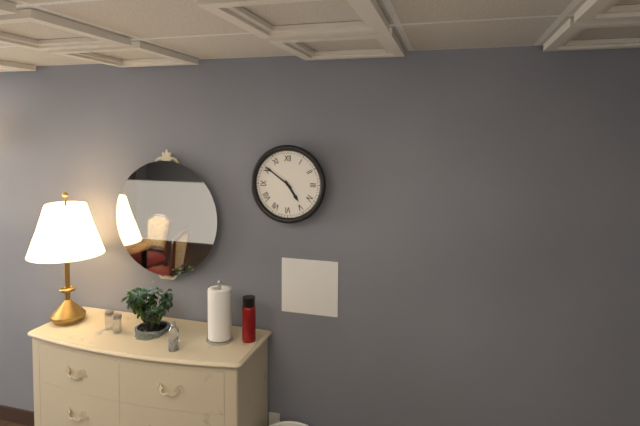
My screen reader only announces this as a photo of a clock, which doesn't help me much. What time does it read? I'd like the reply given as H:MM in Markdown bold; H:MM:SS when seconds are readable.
**4:51**
